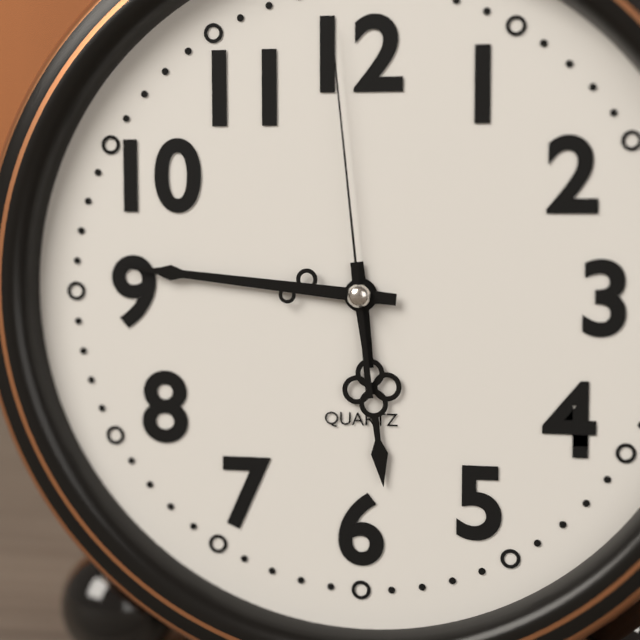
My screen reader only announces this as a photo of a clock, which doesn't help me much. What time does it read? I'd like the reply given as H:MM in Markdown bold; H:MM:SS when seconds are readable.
**5:46:59**
